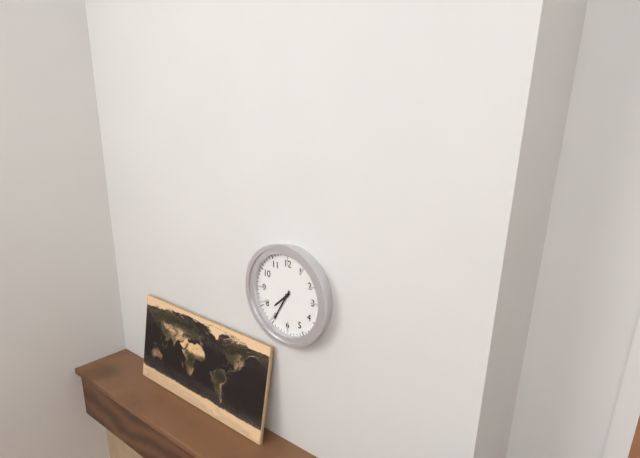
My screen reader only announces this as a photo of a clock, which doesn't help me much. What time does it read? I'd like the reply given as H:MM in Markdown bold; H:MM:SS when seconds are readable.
**7:35**
